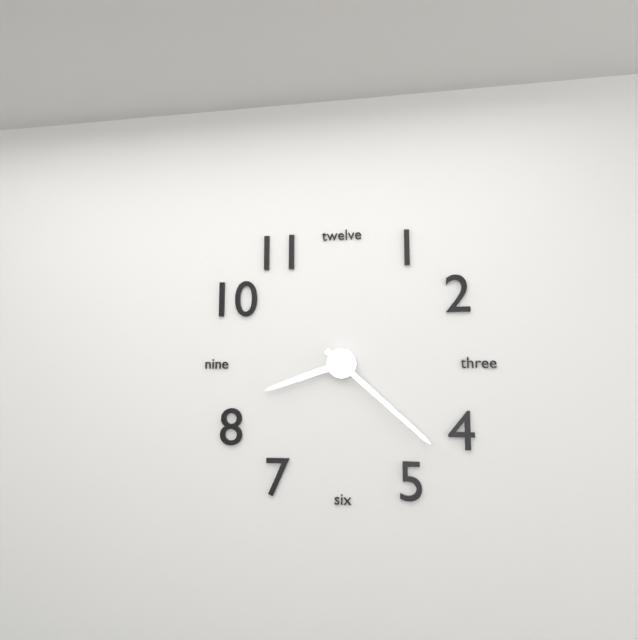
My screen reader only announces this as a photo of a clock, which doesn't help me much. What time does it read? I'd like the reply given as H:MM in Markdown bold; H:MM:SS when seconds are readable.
**8:22**
